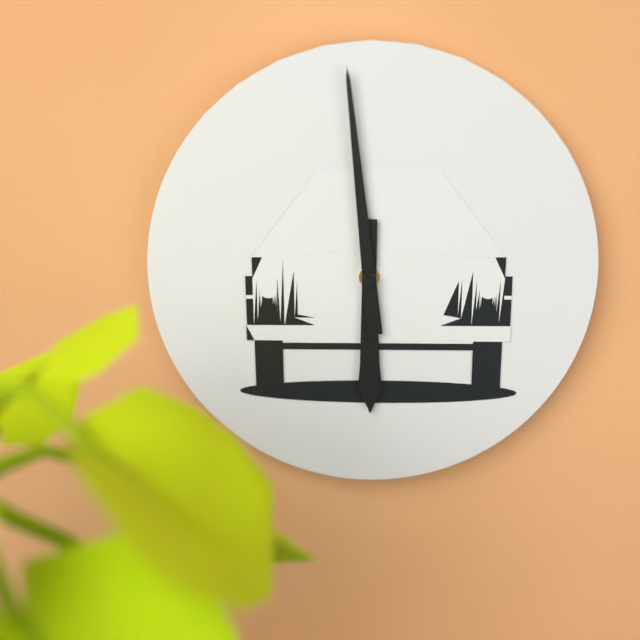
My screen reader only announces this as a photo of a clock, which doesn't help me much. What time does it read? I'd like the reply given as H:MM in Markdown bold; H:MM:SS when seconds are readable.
**5:59**
